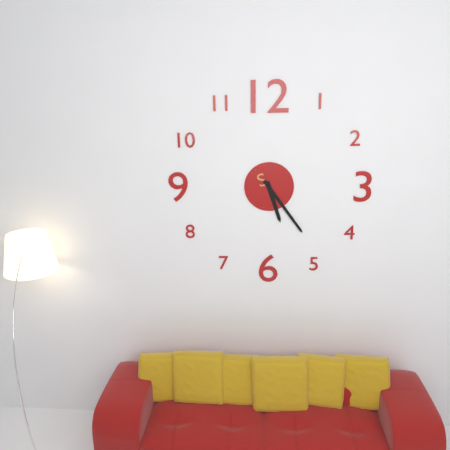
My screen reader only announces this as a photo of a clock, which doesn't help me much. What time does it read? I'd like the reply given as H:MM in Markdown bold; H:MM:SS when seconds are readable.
**5:24**
